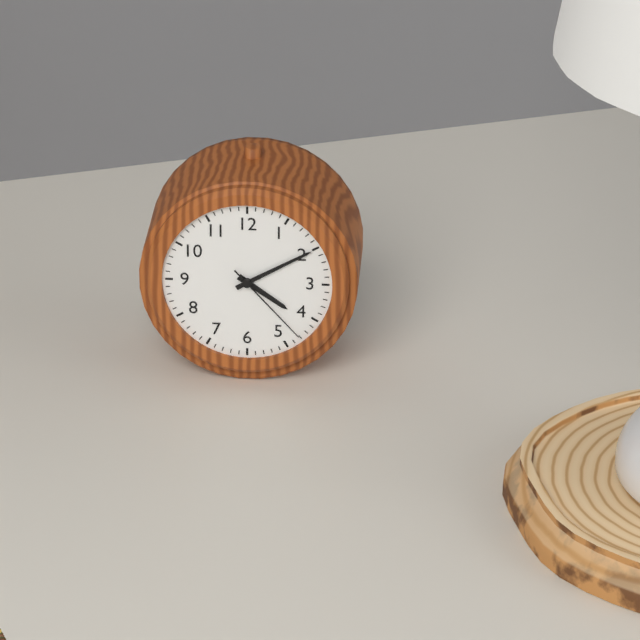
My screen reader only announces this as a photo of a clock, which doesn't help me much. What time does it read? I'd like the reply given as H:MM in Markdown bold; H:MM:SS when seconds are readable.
**4:10:23**
